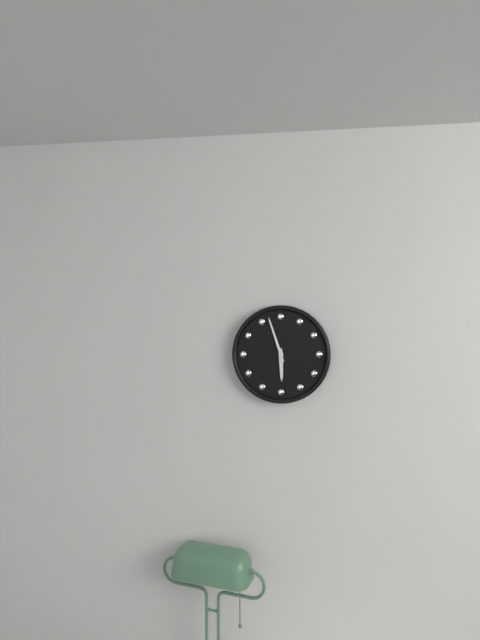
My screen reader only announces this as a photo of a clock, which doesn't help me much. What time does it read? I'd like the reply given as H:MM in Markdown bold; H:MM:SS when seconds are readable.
**5:57**
